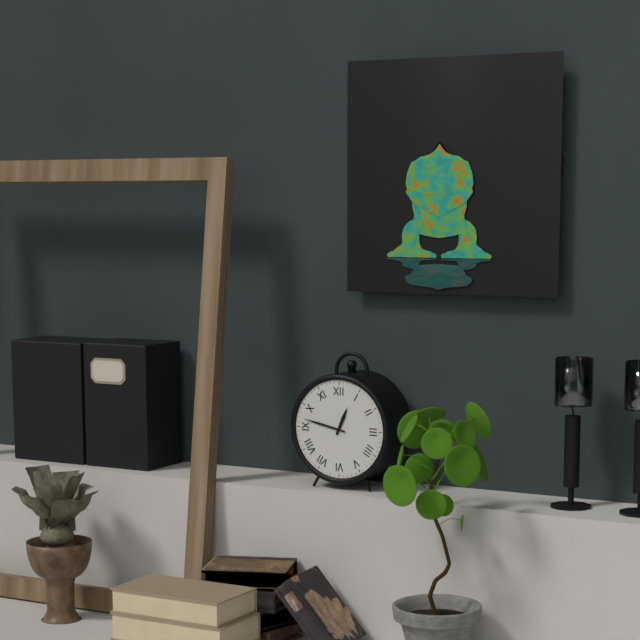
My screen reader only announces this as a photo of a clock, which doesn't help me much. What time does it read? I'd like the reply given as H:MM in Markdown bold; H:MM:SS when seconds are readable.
**12:47**
